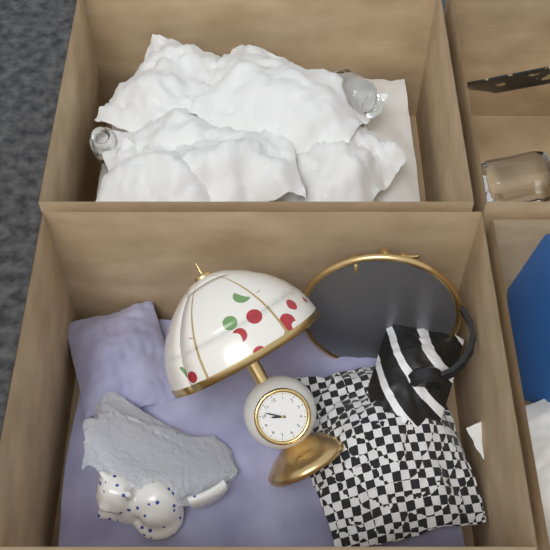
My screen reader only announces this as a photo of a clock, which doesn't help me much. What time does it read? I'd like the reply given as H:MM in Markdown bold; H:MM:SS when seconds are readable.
**9:52**
